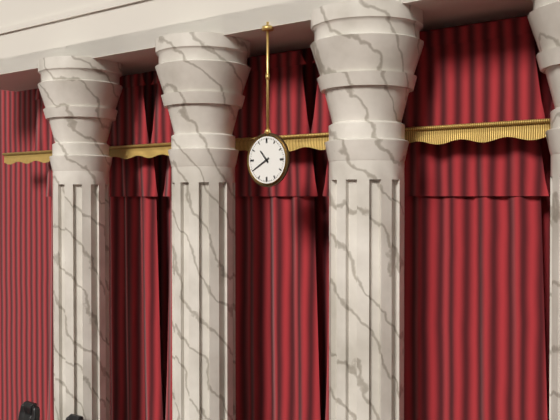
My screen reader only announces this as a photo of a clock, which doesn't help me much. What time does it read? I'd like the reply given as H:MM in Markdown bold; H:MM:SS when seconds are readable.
**10:40**
